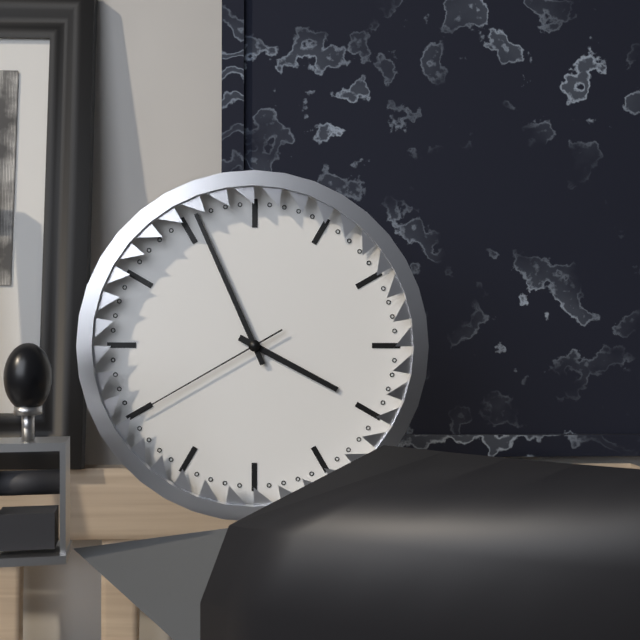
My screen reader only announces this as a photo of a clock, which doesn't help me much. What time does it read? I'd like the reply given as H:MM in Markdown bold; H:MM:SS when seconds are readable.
**3:56:40**
